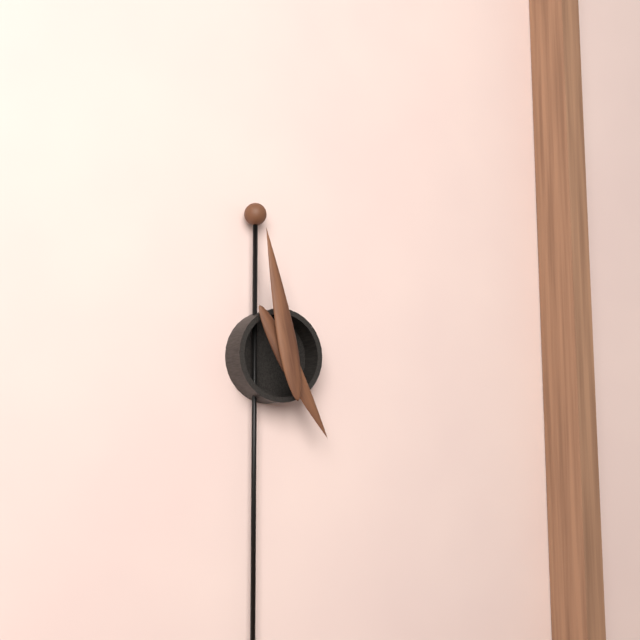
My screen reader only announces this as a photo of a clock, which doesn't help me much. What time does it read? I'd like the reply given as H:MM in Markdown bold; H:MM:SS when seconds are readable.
**4:58**
